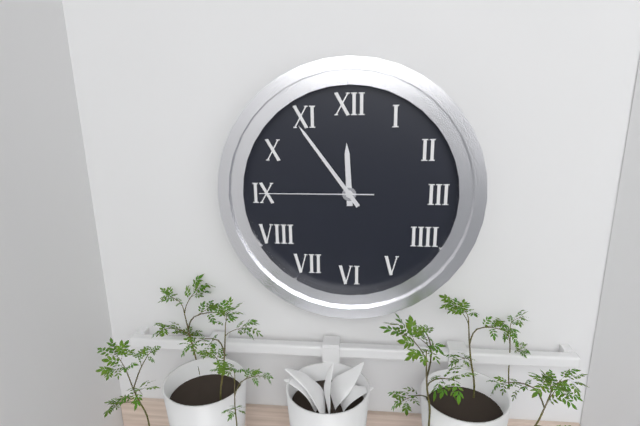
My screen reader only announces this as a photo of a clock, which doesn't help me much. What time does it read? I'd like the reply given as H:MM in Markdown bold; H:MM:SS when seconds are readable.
**11:54:45**
